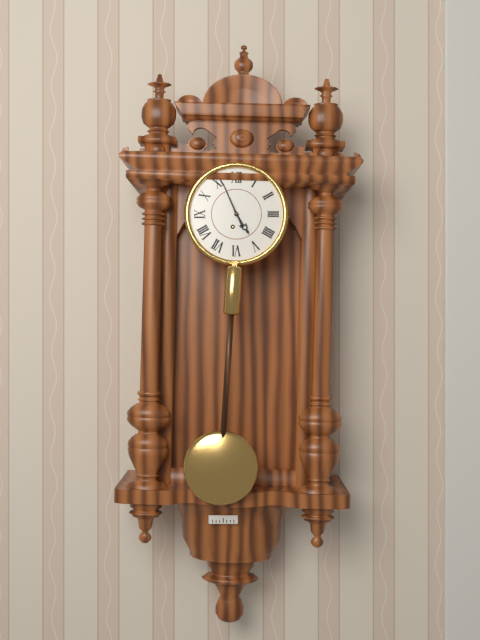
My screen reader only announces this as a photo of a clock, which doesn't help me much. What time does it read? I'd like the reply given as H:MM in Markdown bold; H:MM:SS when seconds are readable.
**4:56**
